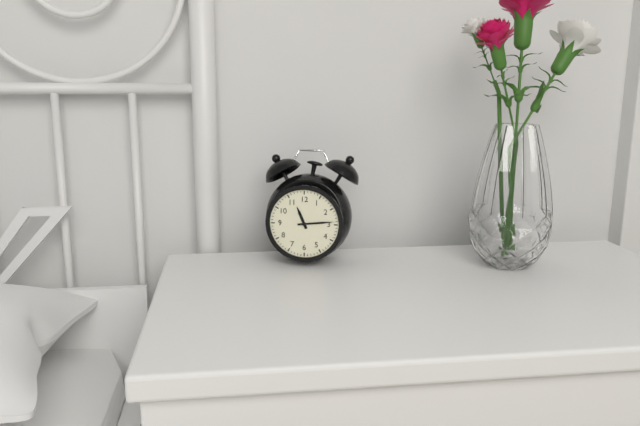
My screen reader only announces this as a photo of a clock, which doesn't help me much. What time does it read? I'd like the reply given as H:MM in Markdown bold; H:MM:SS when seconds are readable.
**11:14**
